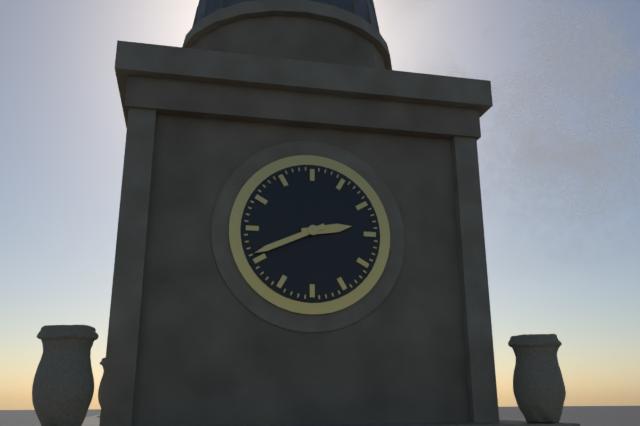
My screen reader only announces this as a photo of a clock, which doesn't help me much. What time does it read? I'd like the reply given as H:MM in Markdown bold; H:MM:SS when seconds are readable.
**2:41**
